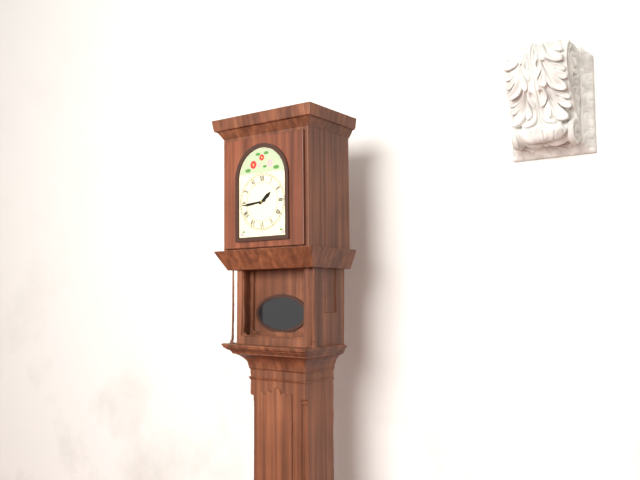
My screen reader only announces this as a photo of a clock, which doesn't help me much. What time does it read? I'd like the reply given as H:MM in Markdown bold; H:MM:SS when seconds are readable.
**1:44**
